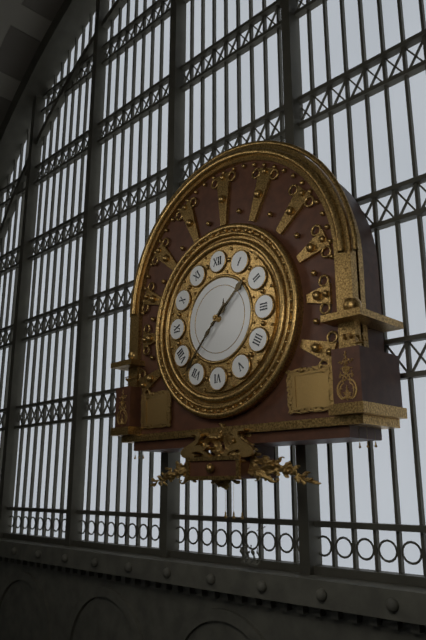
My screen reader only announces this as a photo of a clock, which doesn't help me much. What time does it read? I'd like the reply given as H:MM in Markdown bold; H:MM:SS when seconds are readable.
**1:37**
